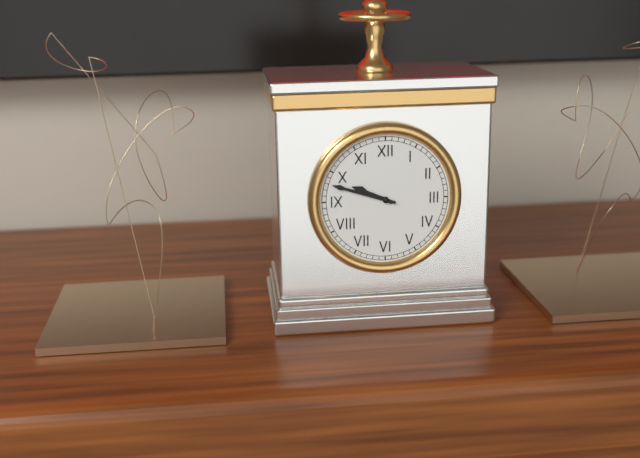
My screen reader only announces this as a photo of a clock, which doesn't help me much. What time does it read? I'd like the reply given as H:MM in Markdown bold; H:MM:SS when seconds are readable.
**9:48**
